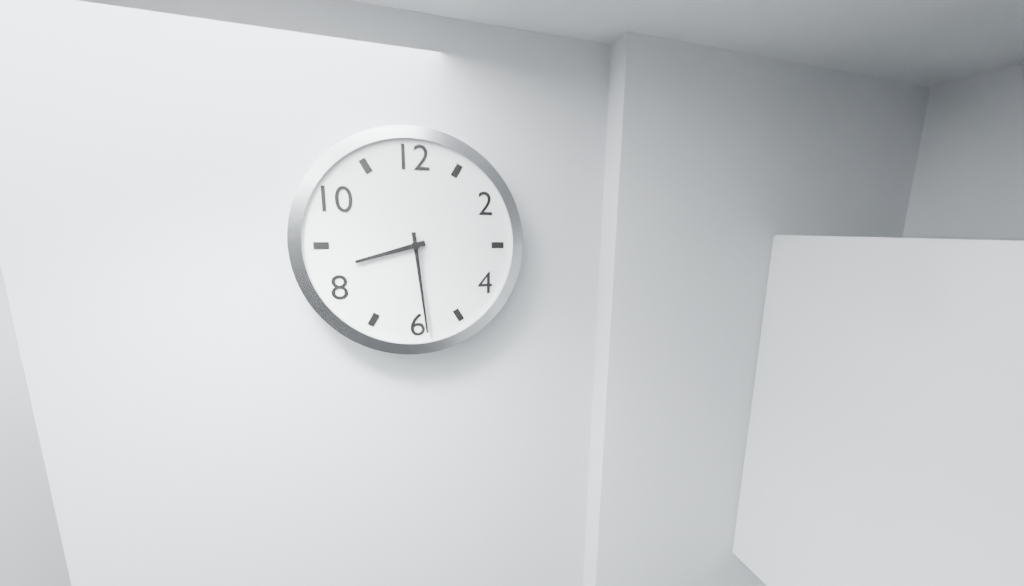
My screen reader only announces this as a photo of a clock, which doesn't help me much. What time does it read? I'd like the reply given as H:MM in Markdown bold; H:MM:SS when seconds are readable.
**8:29**
